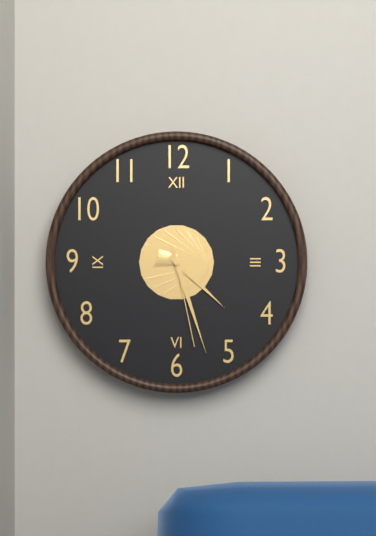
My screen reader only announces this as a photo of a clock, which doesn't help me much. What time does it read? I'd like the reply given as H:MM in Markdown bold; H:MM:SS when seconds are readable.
**4:27:28**
